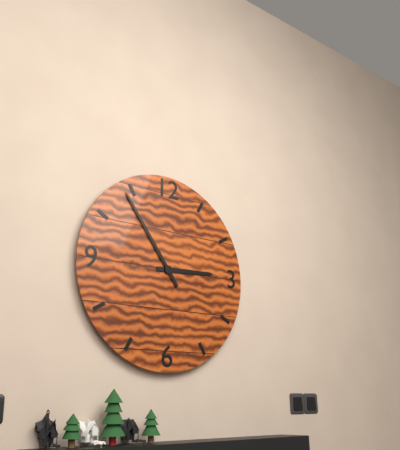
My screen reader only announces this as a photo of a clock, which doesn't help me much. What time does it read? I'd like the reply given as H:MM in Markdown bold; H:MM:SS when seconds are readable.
**2:54**
